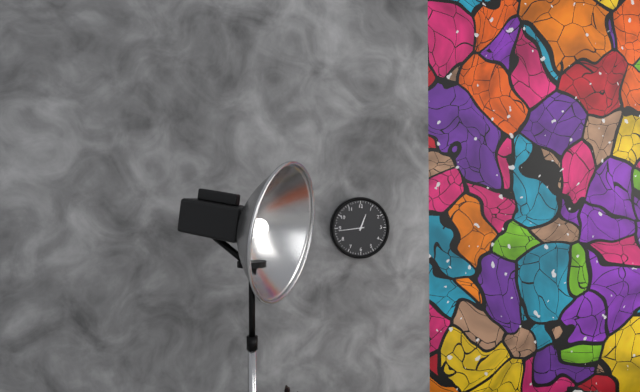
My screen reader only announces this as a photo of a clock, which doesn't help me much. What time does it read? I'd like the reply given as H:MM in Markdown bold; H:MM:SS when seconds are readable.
**12:44**
